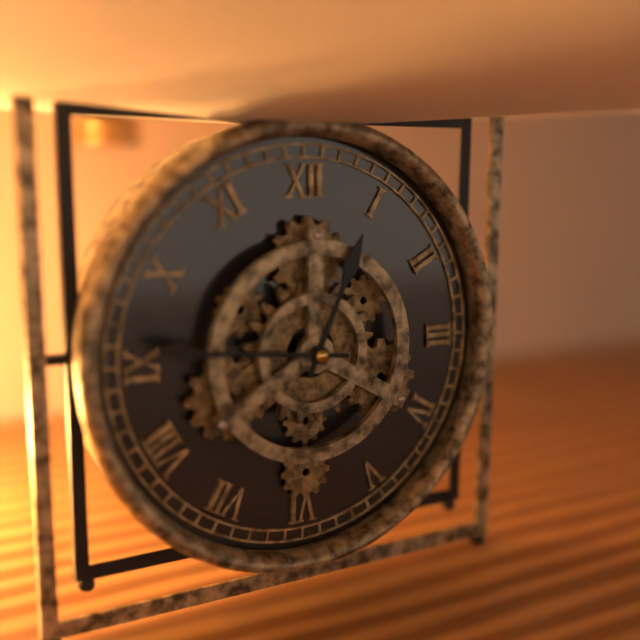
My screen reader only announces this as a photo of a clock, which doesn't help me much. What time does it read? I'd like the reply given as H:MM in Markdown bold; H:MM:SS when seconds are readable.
**12:46**
